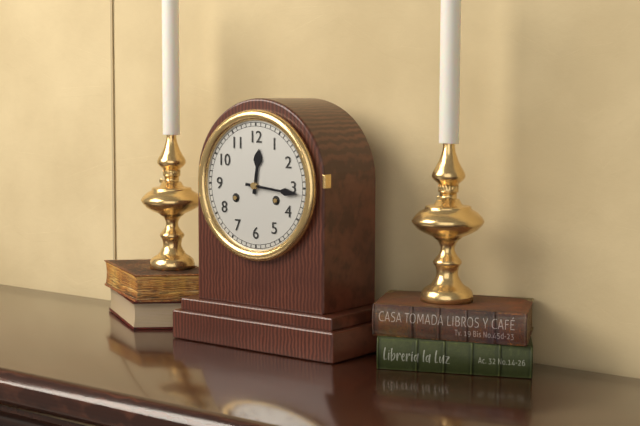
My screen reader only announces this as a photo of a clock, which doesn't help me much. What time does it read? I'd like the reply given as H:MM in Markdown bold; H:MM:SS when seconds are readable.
**12:16**
